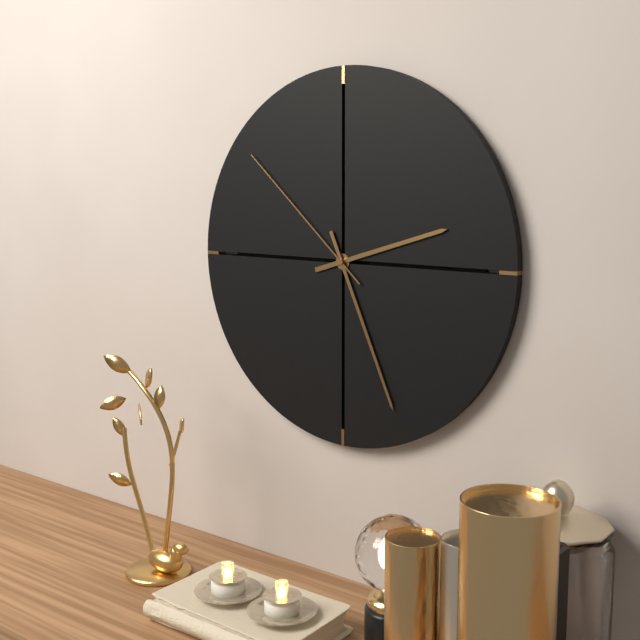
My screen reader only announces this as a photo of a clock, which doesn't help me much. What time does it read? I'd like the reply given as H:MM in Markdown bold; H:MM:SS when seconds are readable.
**2:26:52**
